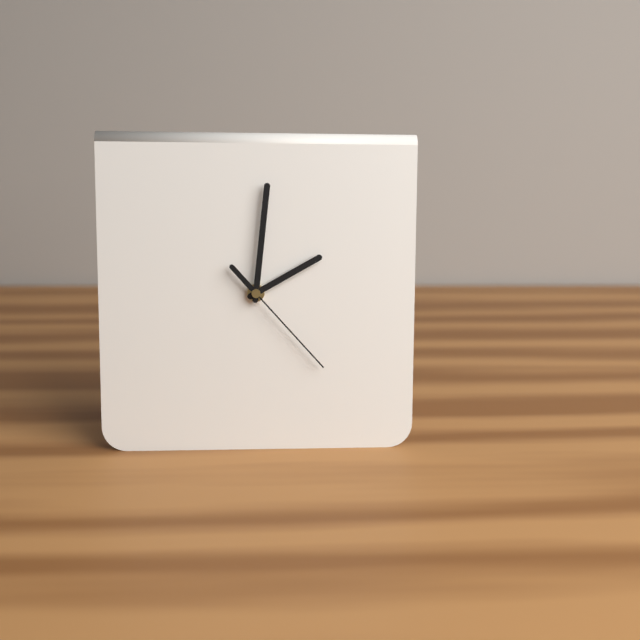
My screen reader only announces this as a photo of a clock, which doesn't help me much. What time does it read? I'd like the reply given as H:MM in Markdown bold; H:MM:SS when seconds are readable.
**2:01:23**
